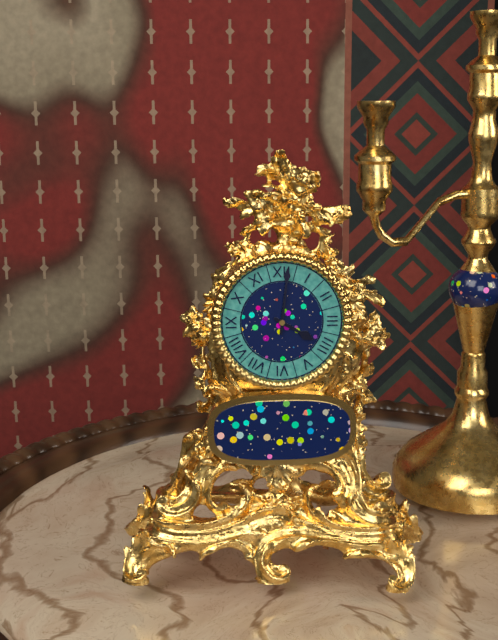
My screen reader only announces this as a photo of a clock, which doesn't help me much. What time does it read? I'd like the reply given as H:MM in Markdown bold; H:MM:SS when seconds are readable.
**4:01**
